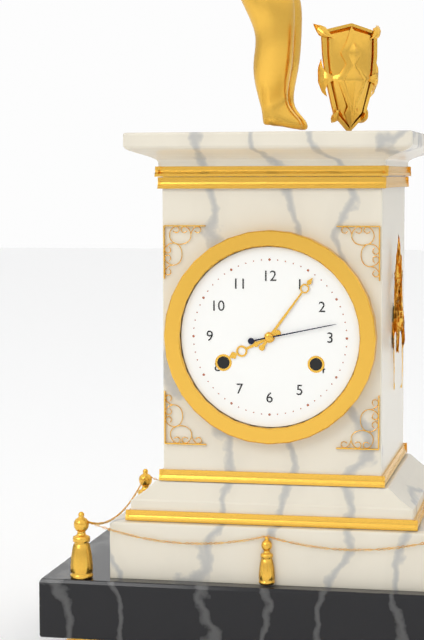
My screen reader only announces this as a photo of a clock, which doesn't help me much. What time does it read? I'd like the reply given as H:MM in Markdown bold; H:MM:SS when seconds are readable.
**8:06:13**
